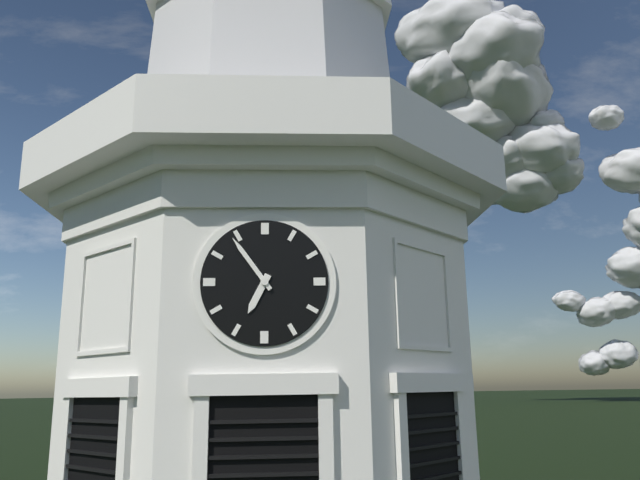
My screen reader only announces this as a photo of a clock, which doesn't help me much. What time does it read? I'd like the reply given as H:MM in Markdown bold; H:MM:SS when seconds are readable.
**6:54**
